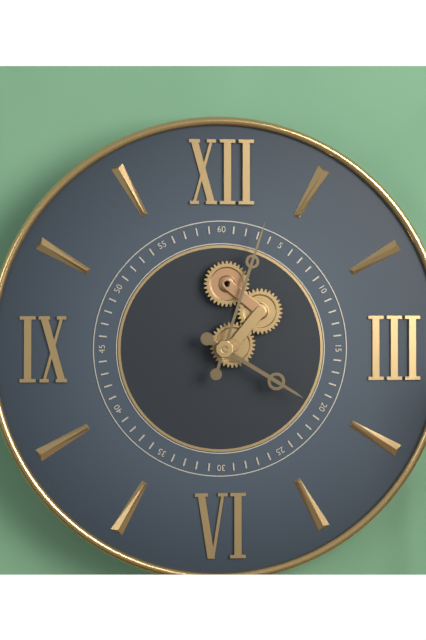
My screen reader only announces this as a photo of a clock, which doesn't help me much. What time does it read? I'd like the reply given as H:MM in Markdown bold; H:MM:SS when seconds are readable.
**4:03**
